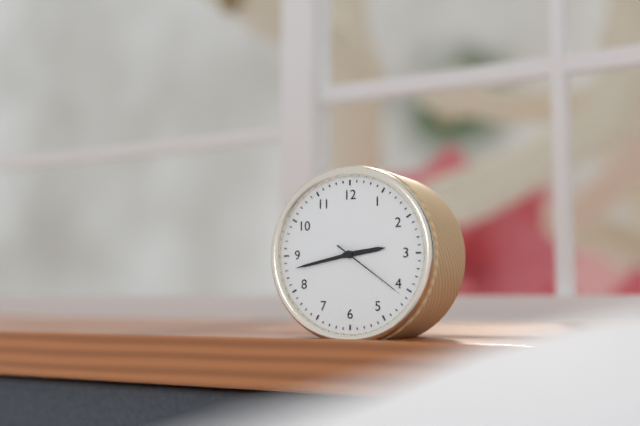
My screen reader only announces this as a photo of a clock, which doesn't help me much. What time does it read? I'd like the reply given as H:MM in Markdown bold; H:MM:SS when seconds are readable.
**2:43:21**
